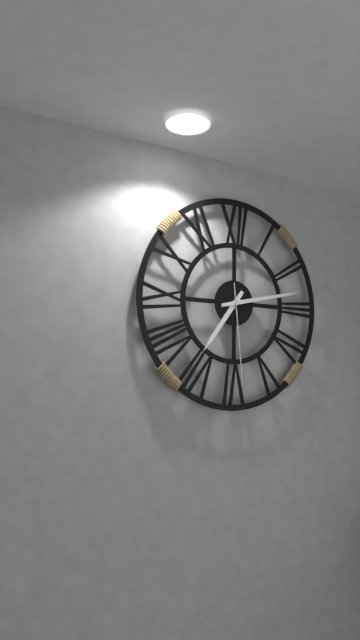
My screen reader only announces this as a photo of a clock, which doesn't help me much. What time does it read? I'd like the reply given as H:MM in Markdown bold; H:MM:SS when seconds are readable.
**7:13:29**
